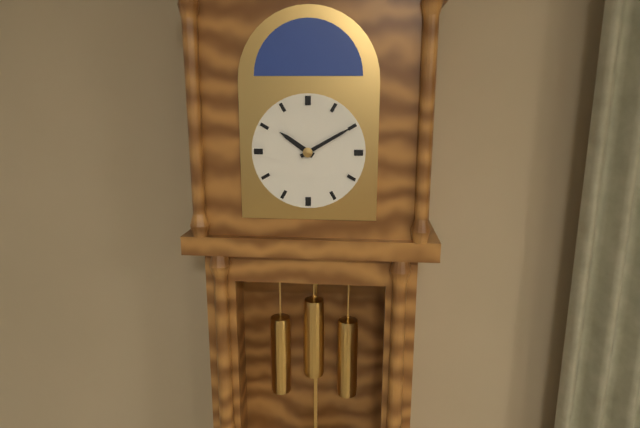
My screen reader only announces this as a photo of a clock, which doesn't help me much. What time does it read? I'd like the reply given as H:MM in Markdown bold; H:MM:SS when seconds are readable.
**10:10**
